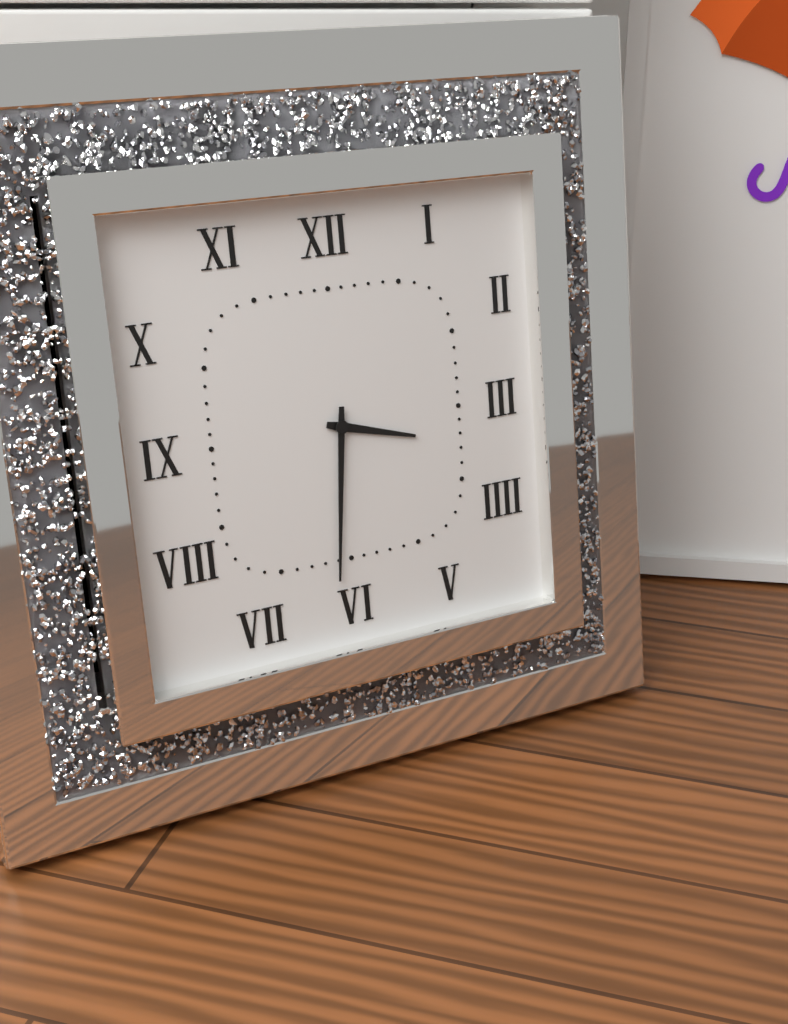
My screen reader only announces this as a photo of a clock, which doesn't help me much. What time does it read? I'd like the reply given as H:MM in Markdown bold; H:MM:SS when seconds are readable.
**3:31**
